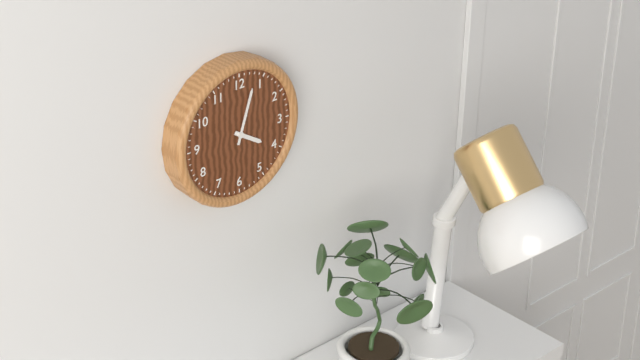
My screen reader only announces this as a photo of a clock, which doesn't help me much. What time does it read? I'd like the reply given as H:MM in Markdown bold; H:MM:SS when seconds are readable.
**4:03**
